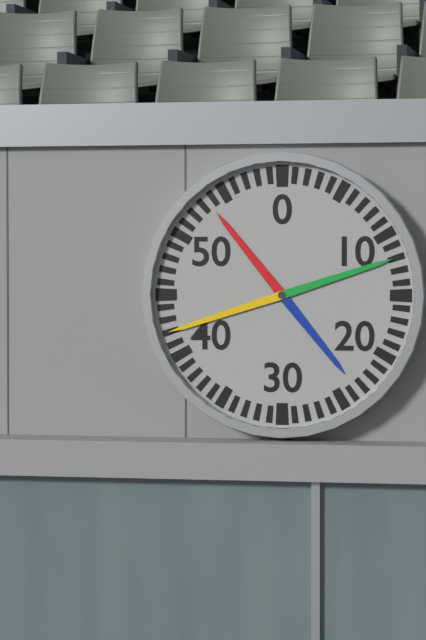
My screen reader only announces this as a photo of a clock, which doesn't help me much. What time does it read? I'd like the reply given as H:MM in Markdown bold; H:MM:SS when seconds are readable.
**10:42**
